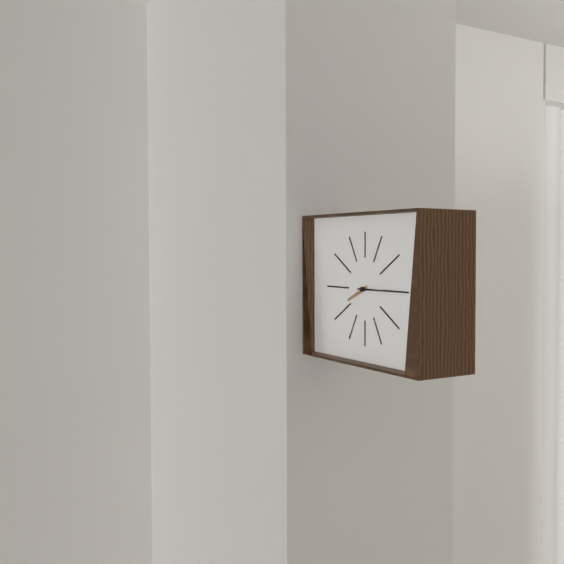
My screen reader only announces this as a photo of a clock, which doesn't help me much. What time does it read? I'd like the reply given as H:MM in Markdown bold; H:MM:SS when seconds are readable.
**8:15**
